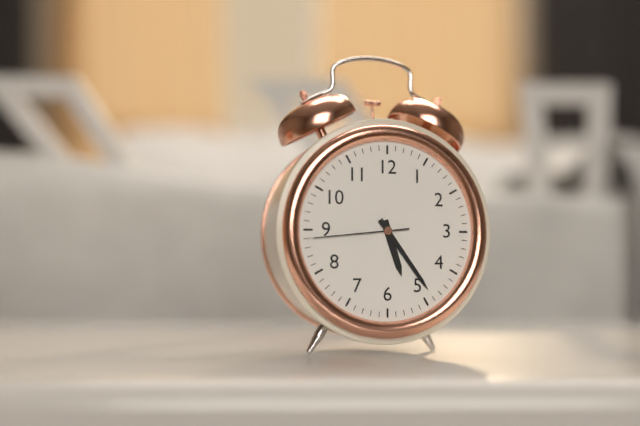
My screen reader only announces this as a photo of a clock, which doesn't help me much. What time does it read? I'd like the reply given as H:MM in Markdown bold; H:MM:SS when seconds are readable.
**5:24:44**
